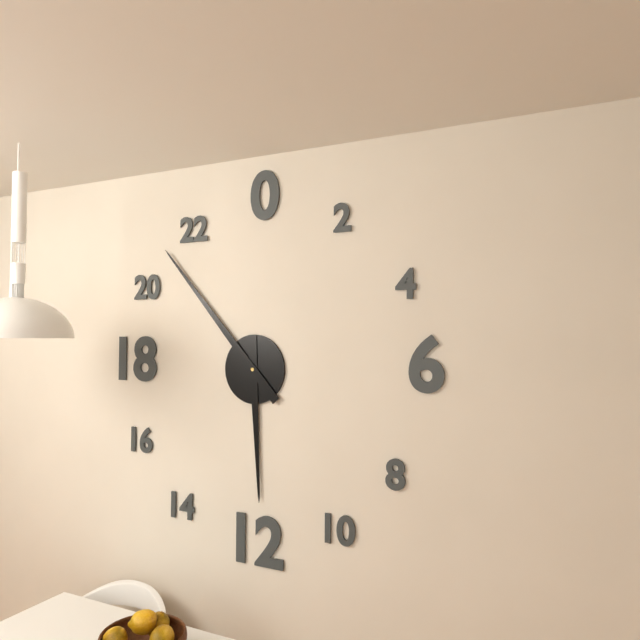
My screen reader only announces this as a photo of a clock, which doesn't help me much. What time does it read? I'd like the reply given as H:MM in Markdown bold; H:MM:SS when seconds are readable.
**5:53**
